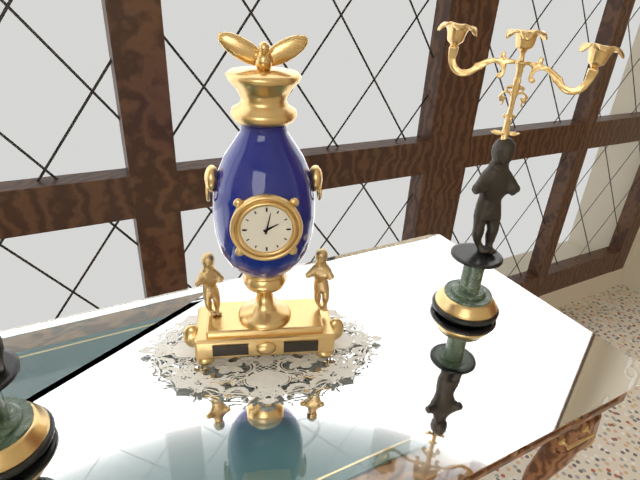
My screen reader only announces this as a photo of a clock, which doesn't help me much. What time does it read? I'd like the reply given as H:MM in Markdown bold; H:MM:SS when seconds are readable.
**2:02**
